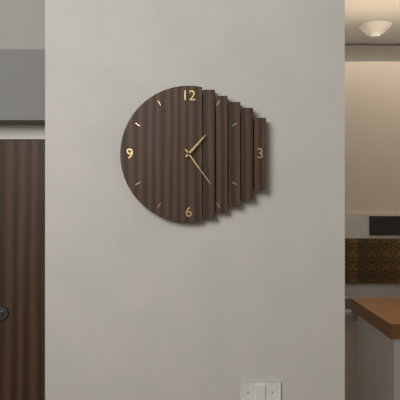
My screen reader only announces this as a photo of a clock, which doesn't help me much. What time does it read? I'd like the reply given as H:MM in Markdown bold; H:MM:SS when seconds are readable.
**1:24**
